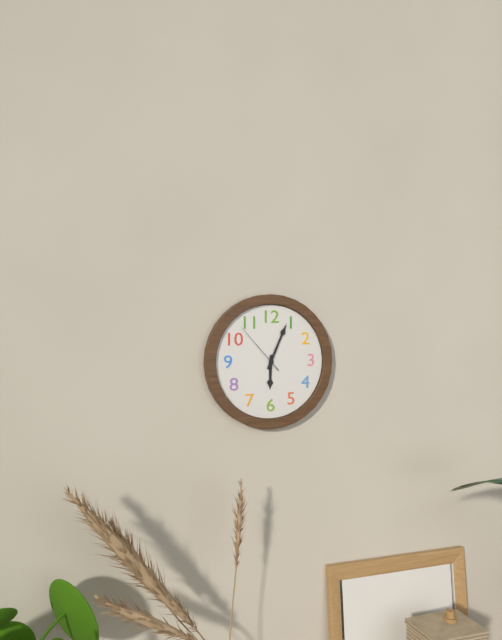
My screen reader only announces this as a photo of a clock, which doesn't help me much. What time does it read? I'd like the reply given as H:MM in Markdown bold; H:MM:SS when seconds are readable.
**6:04:53**
